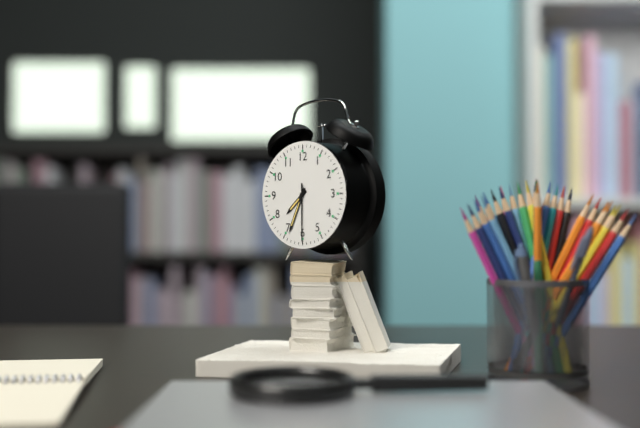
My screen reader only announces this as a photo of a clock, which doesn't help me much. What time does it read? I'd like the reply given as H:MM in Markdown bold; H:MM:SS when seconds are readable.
**7:34:30**
